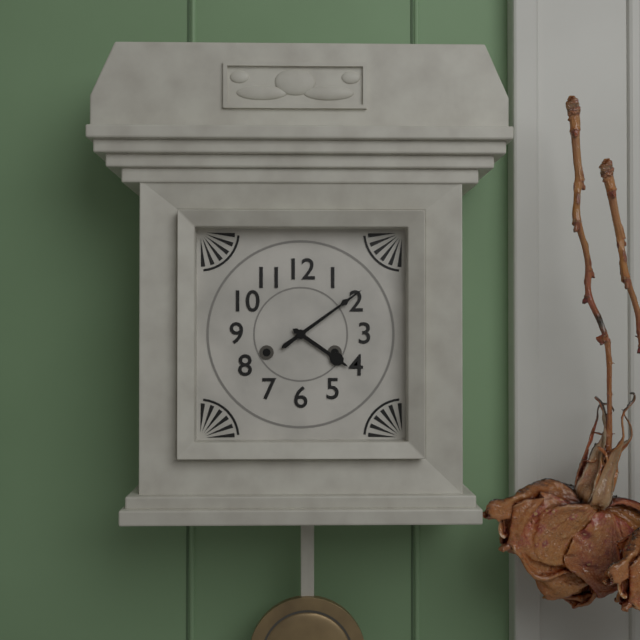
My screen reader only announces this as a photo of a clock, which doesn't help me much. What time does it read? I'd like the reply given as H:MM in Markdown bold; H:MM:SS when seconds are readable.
**4:09**
